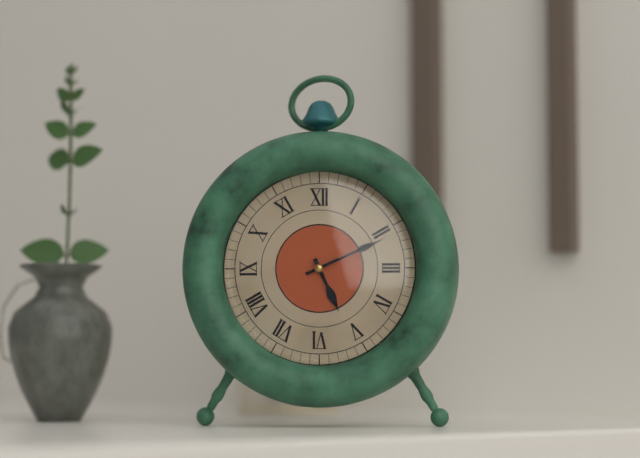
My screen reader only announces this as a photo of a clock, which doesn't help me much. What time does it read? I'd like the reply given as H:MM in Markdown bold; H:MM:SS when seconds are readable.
**5:11**
